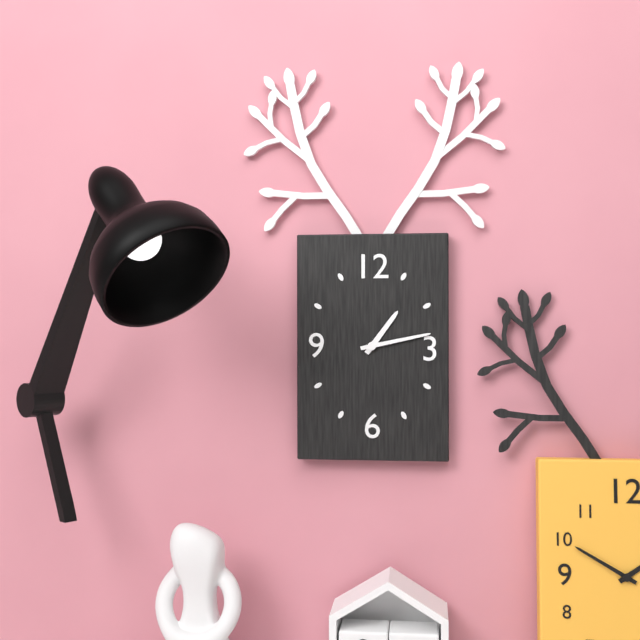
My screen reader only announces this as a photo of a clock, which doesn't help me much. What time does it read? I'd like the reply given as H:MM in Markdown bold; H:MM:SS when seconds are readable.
**1:13**
